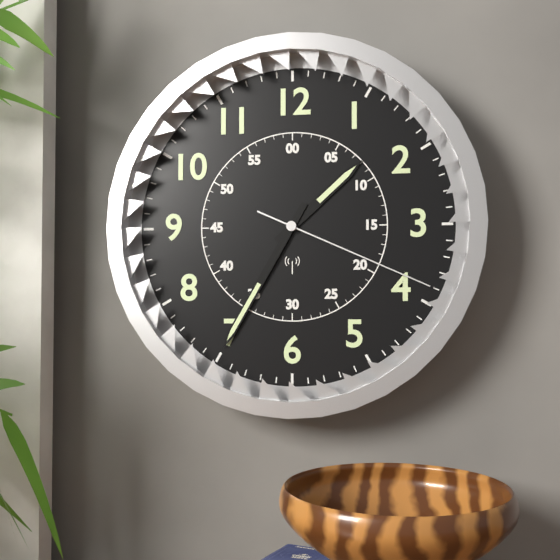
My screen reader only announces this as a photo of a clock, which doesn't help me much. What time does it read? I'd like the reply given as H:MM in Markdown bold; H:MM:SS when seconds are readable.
**1:35:19**
